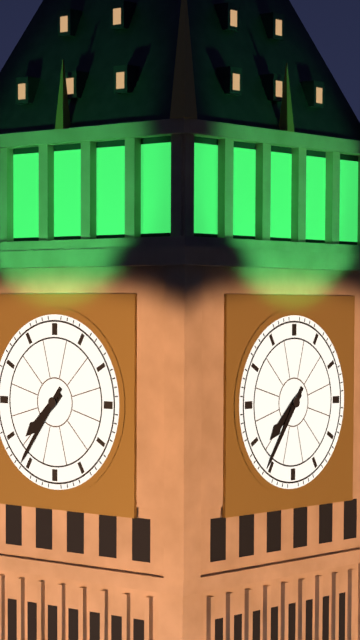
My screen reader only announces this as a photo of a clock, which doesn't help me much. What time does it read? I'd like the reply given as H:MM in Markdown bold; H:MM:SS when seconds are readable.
**7:36**
